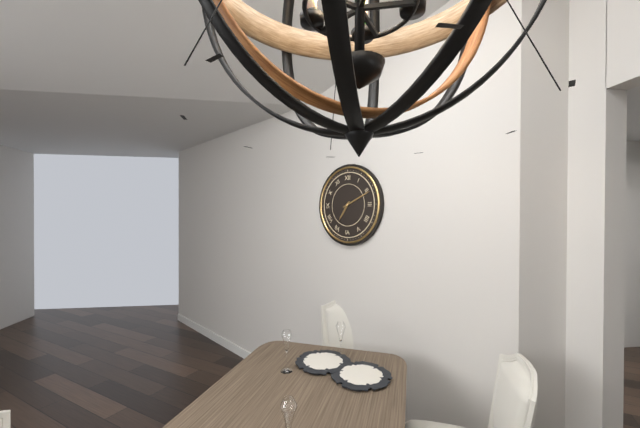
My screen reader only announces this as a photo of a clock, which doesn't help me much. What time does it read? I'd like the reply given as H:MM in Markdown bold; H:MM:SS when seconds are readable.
**7:11**
